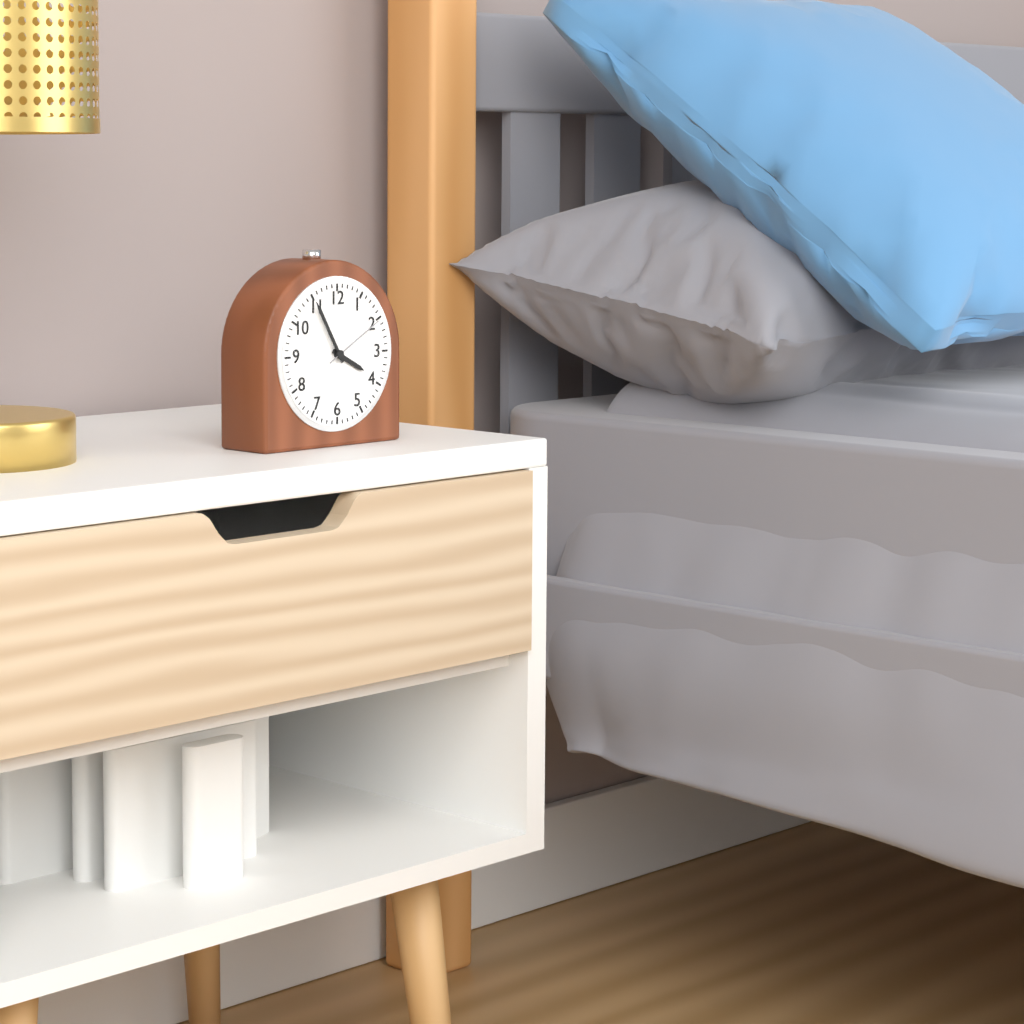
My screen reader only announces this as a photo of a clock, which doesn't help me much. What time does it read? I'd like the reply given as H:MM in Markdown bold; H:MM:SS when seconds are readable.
**3:55:10**
